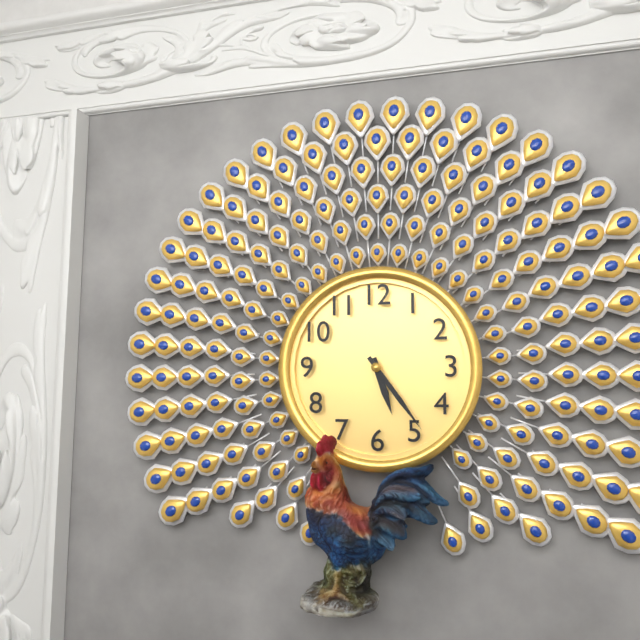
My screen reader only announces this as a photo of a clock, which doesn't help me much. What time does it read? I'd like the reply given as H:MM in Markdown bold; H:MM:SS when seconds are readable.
**5:24**
